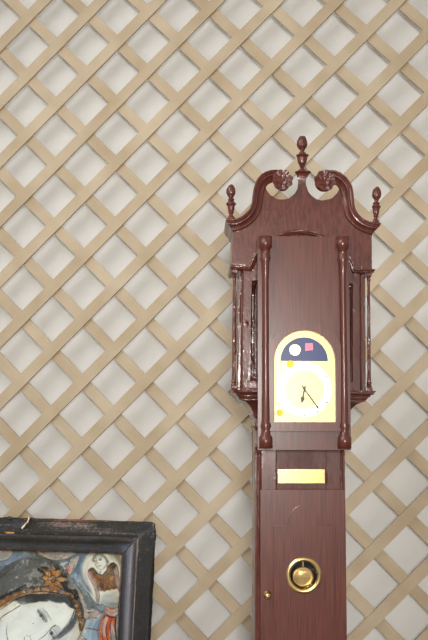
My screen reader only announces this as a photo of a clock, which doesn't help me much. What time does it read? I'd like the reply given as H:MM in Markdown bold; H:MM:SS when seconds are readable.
**6:24**
